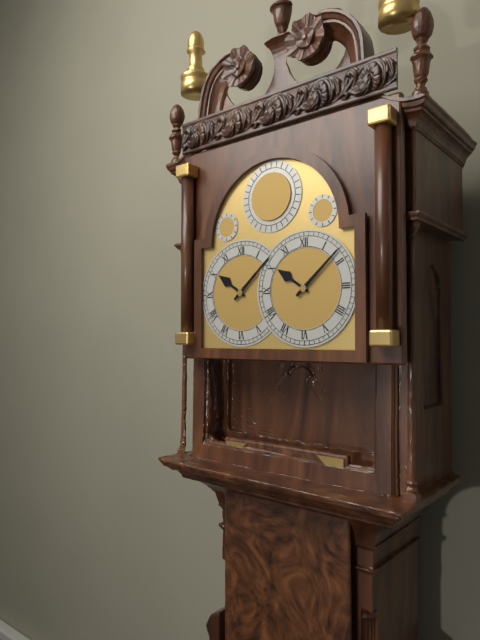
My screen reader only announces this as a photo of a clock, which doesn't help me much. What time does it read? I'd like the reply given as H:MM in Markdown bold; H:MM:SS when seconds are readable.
**10:08**
